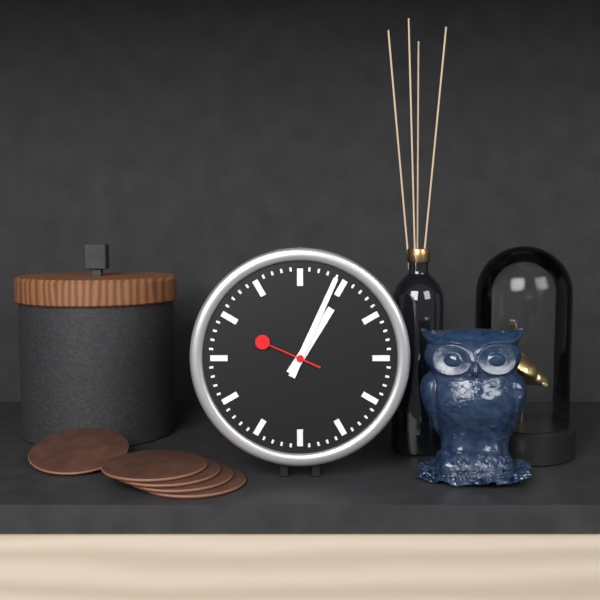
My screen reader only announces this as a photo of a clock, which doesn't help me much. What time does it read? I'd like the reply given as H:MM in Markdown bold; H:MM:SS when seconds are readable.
**1:04:49**
